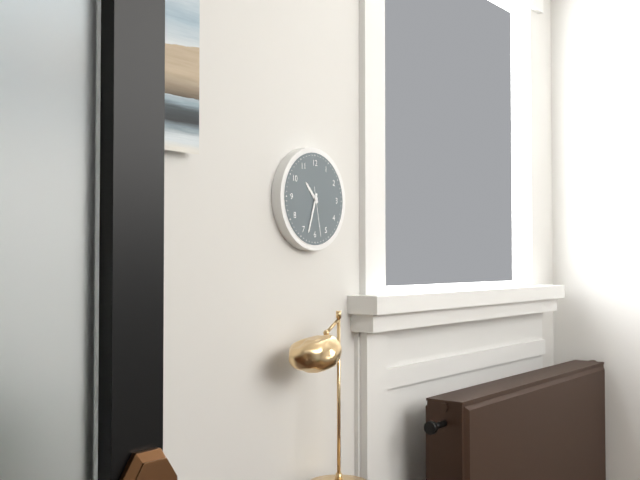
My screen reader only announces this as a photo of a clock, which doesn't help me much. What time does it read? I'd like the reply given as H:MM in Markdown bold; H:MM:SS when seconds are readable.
**10:33**
